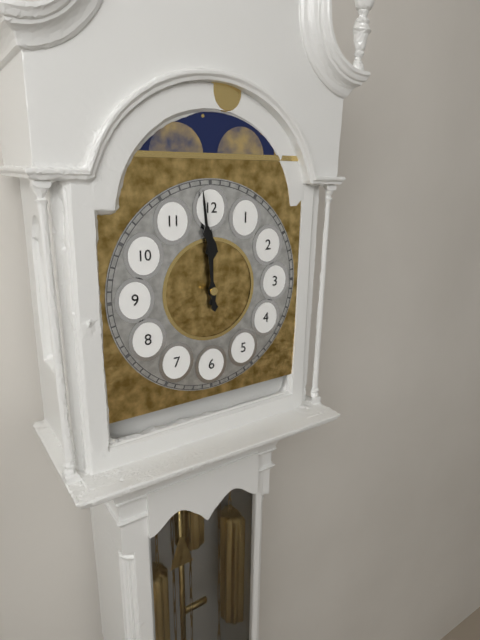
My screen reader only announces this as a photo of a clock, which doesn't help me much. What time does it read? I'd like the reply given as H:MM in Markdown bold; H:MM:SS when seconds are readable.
**11:59**
